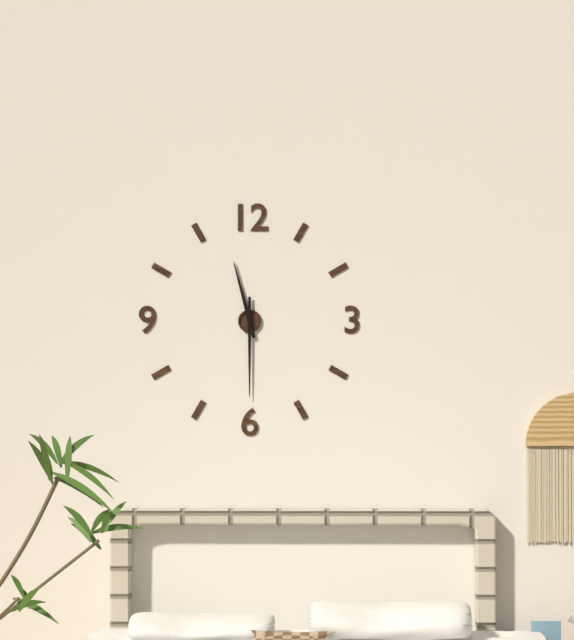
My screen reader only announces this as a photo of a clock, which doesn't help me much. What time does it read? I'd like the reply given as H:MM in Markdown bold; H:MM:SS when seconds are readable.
**11:30**
